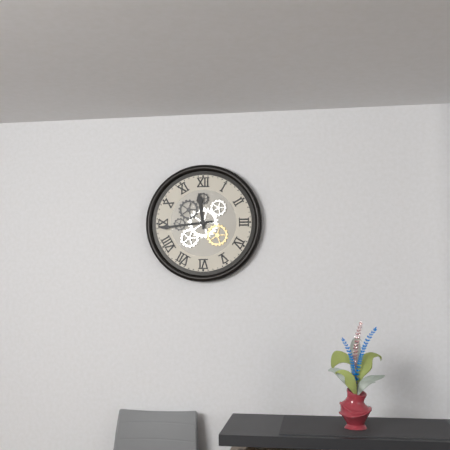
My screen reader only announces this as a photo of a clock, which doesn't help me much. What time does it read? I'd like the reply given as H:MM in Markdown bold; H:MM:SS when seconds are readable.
**11:44**
